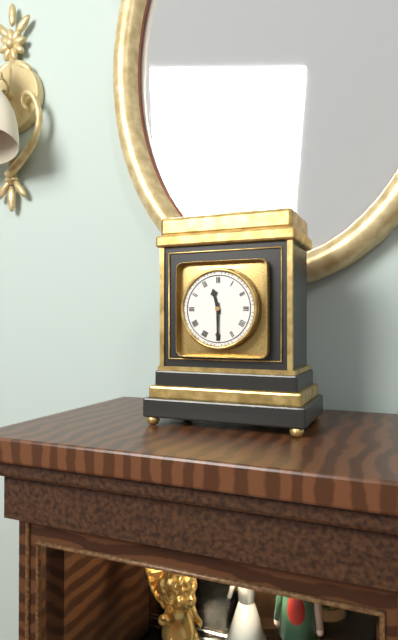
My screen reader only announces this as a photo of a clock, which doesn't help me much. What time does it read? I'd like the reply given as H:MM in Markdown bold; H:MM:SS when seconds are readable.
**11:30**
